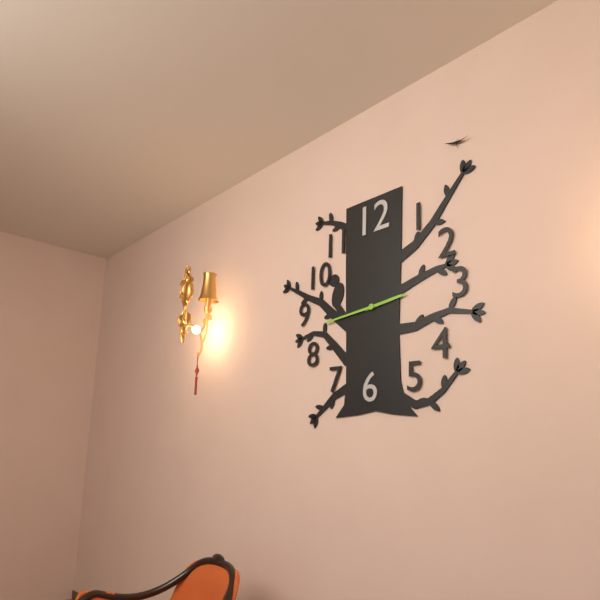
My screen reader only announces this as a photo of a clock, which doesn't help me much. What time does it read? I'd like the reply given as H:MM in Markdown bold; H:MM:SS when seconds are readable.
**2:44**
